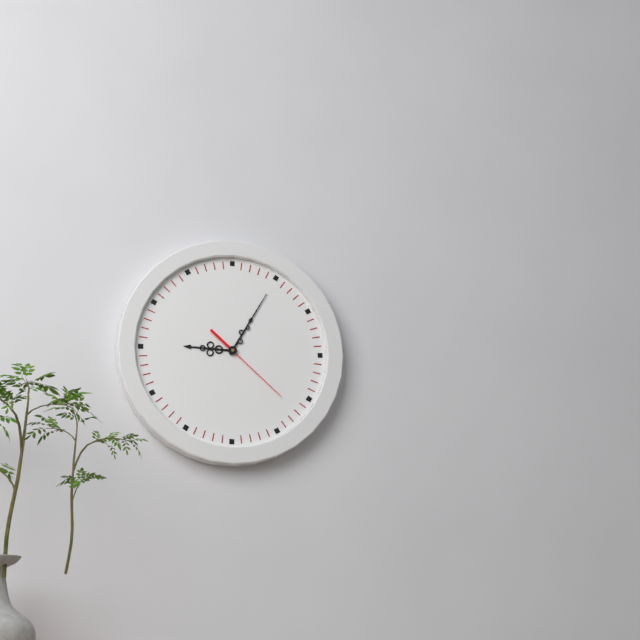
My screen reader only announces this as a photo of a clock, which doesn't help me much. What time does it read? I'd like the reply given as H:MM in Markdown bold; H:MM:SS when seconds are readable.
**9:05:22**
